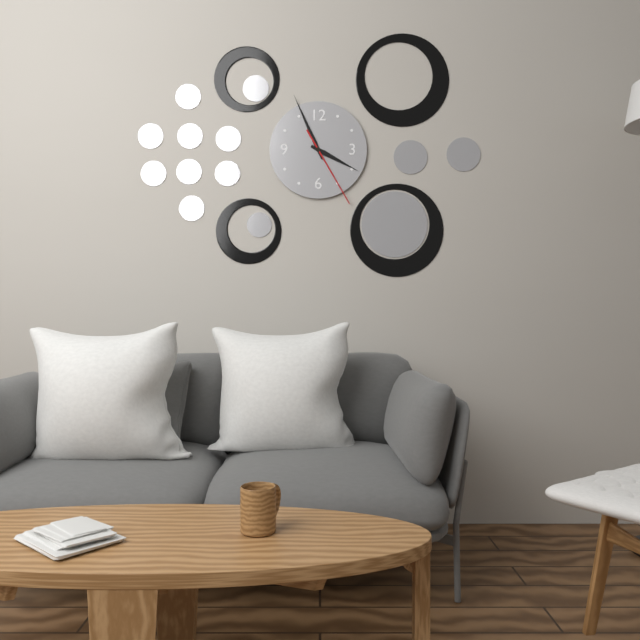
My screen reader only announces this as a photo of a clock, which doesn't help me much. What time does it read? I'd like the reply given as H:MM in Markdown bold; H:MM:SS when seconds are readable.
**3:56:25**
